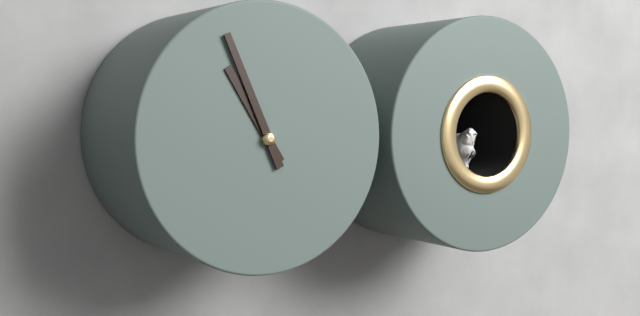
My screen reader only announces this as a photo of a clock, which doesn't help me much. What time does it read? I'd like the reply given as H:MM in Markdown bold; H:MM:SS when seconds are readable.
**10:56**
